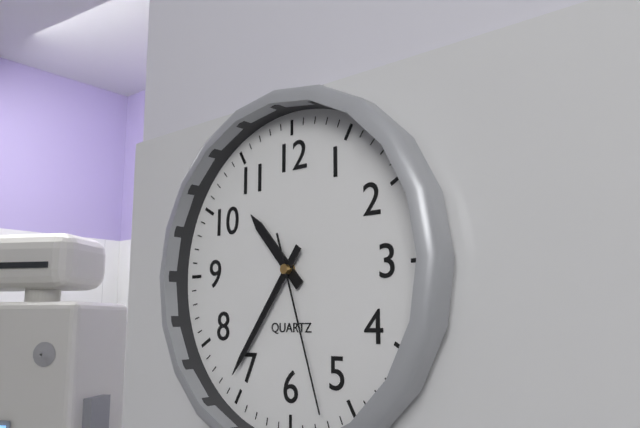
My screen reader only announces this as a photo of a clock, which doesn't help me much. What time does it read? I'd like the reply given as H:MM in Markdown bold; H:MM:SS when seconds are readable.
**10:36:27**
